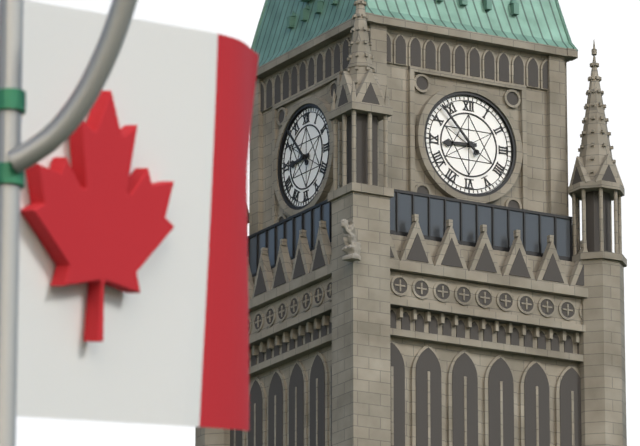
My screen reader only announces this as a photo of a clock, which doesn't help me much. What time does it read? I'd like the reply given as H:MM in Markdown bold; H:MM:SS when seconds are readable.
**8:53**
